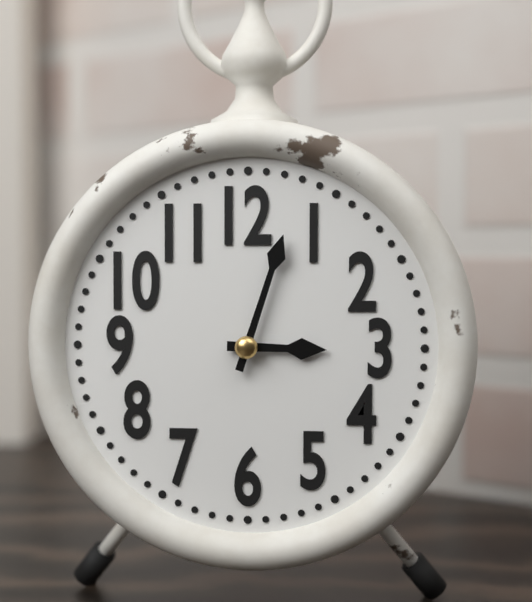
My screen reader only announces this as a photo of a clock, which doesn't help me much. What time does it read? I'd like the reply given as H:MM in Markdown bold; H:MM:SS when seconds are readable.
**3:03**
